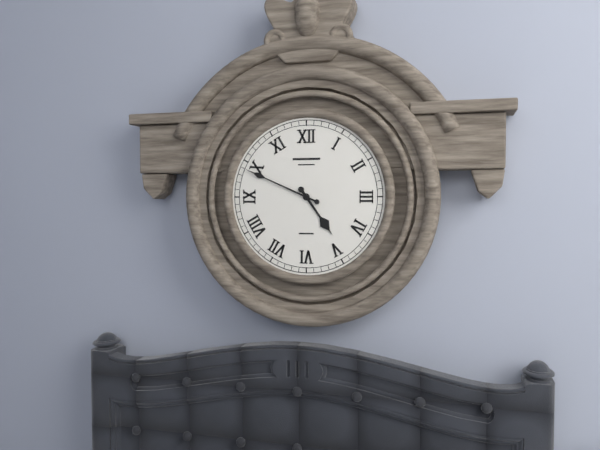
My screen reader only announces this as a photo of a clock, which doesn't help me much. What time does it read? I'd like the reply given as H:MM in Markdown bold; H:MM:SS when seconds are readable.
**4:49**
